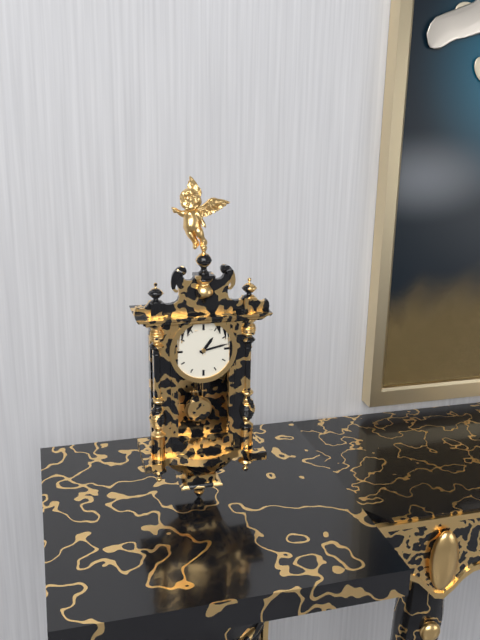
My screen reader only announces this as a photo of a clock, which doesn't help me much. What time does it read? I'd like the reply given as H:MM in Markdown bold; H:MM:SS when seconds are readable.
**1:13**
